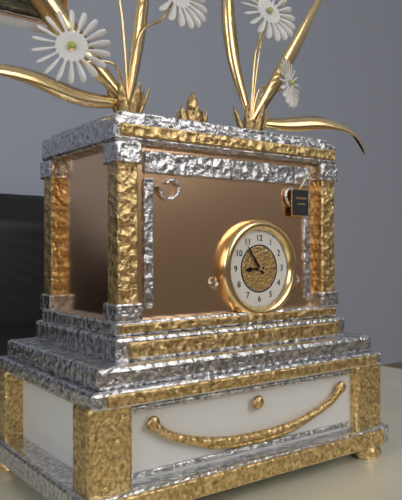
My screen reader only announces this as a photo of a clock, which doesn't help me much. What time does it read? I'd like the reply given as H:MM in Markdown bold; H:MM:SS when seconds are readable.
**8:54**
